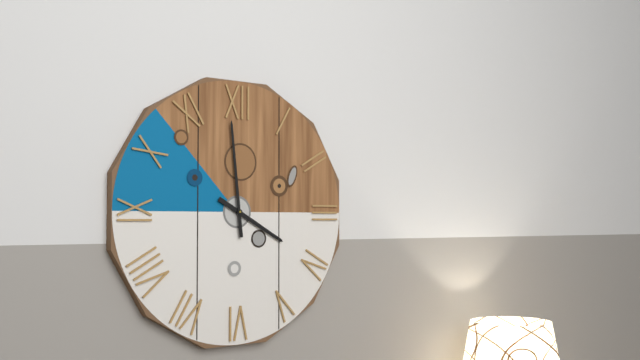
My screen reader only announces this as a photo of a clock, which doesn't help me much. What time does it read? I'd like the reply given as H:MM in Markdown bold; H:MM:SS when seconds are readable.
**3:59**
